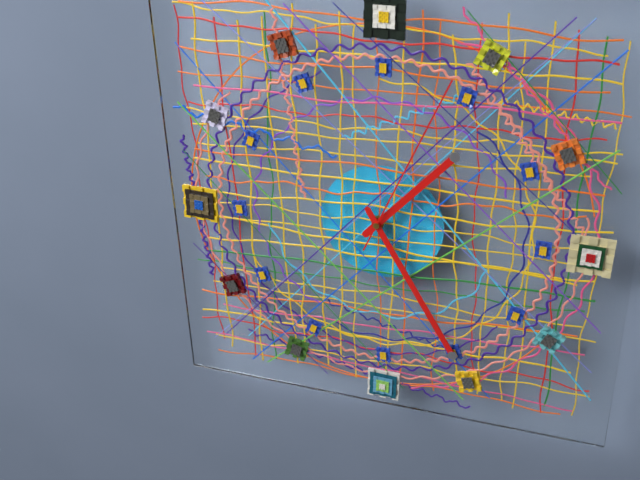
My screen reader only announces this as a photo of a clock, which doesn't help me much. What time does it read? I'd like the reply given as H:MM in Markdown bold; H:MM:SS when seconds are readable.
**1:25:04**
